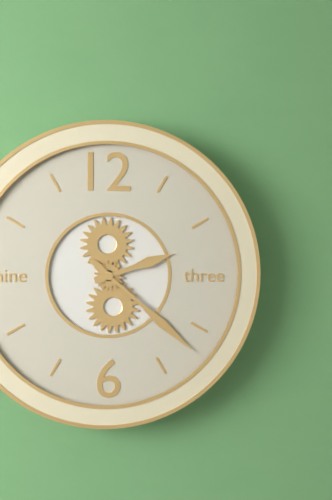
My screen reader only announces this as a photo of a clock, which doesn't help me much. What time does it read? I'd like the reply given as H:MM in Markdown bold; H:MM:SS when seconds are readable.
**2:22**
